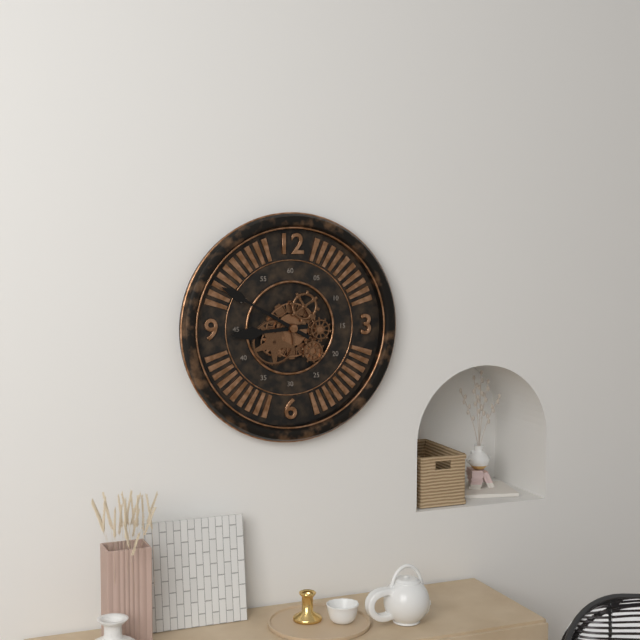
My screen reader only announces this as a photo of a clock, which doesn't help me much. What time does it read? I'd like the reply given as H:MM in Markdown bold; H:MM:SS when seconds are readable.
**8:50**
